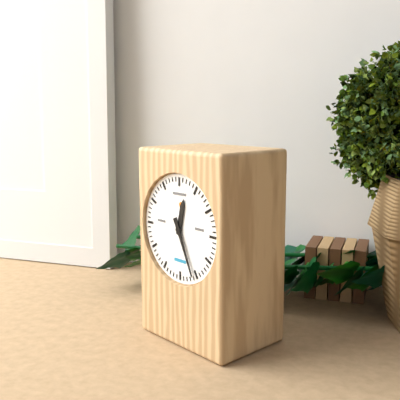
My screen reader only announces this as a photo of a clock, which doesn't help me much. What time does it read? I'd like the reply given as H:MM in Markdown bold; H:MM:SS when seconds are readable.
**12:26**
